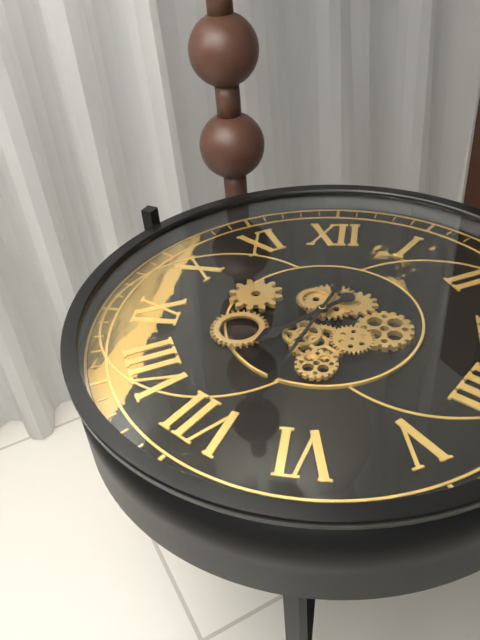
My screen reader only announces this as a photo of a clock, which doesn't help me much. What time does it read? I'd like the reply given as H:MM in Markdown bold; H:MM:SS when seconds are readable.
**7:33**
